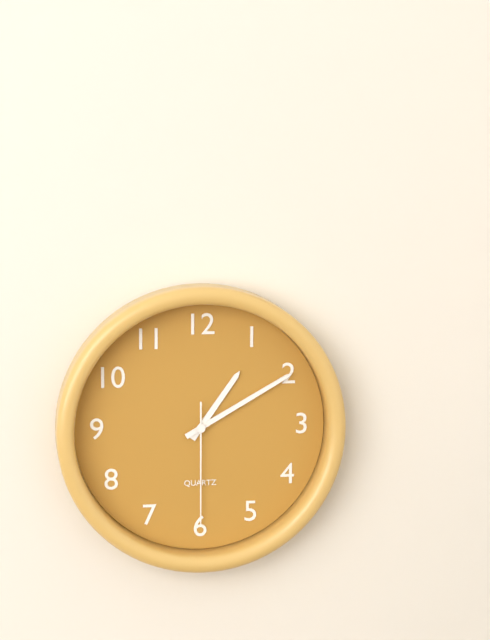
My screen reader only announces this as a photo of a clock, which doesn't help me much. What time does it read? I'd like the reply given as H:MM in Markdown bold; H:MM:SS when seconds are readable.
**1:10:30**
